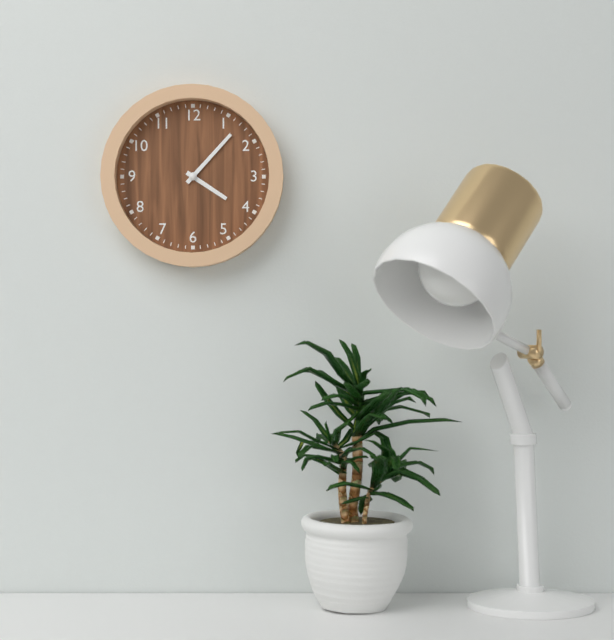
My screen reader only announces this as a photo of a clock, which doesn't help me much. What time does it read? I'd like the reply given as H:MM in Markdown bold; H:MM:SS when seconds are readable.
**4:07**
